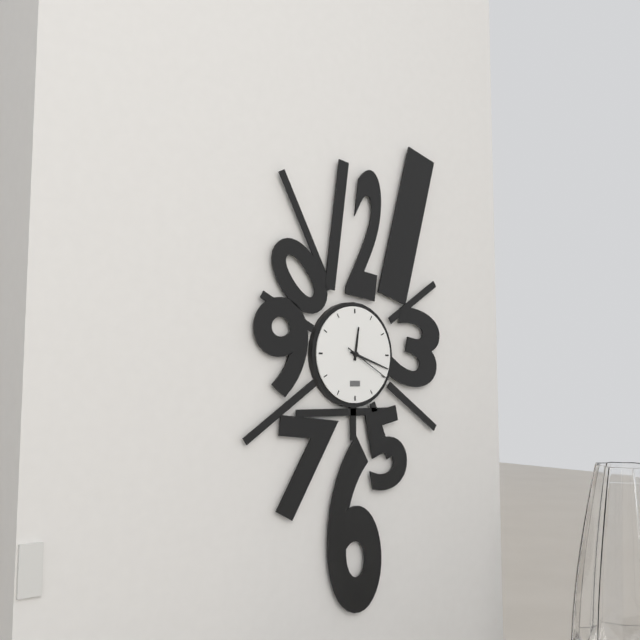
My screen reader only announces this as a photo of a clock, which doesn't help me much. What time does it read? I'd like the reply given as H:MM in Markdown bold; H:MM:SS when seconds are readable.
**12:18:20**
